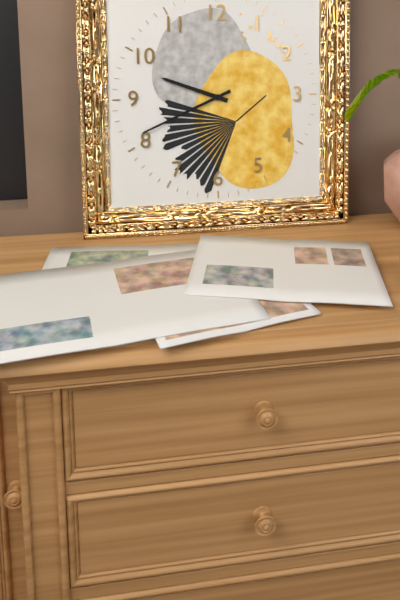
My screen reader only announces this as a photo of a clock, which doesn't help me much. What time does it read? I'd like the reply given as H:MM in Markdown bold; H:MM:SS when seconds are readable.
**9:41**
